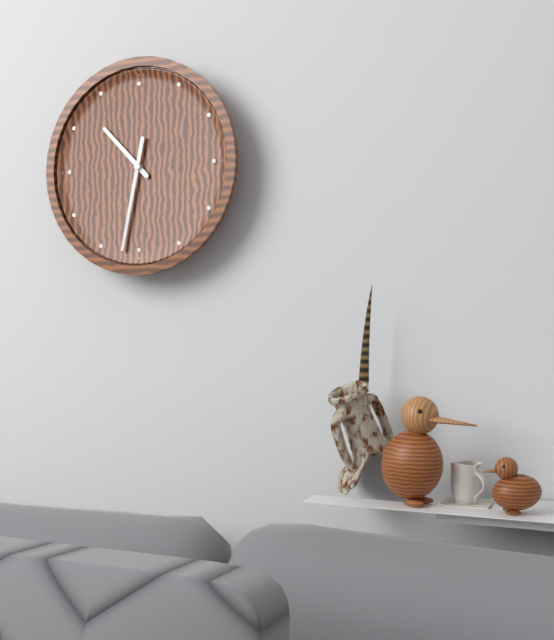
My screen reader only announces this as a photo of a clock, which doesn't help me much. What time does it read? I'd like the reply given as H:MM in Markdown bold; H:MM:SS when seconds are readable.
**10:32**
